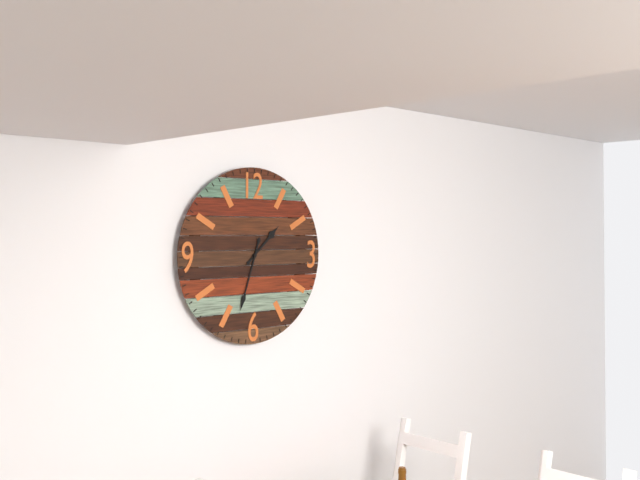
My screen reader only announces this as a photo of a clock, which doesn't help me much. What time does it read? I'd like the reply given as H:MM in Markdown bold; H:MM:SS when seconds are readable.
**1:33**
